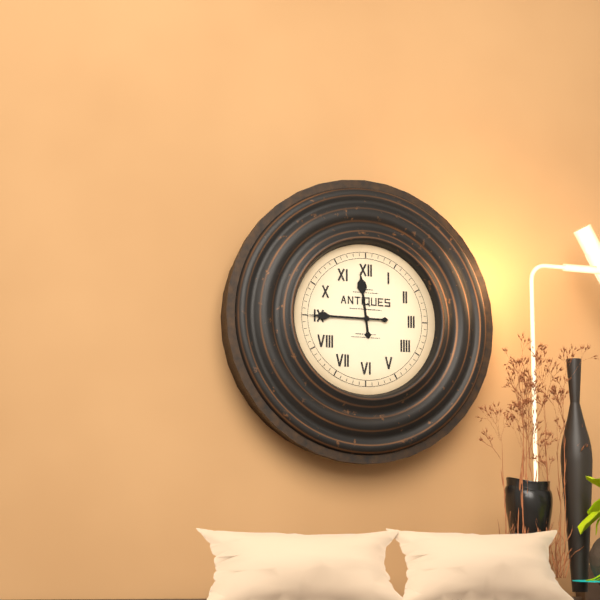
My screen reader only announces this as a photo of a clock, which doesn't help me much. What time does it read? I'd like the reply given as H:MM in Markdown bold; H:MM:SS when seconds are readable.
**11:45**
